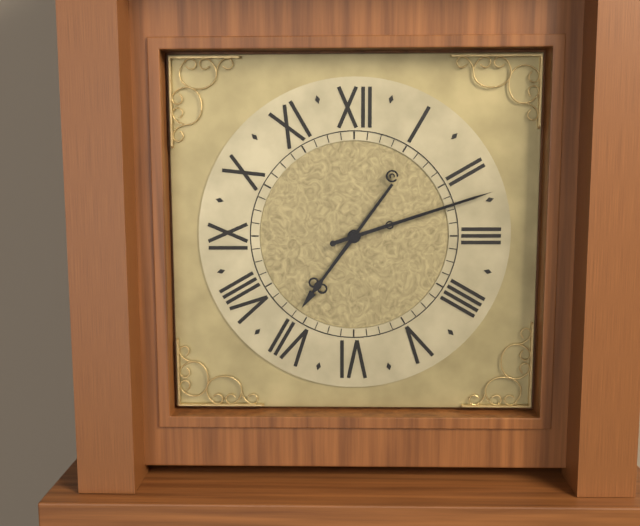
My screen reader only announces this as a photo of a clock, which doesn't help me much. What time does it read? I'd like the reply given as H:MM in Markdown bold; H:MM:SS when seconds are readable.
**7:12**
